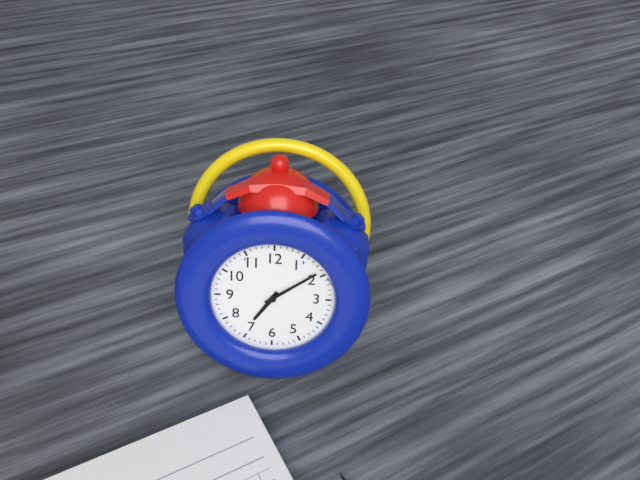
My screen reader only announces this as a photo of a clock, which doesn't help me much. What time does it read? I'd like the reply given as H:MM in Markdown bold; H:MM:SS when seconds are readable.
**7:09**
